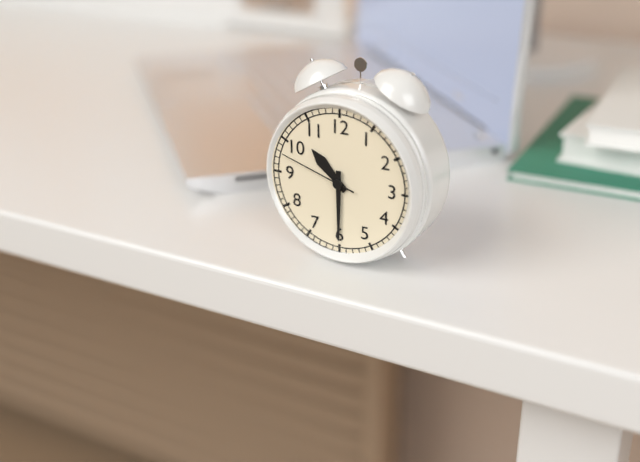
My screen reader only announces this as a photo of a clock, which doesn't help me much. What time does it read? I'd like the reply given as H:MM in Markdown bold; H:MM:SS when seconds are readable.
**10:30:48**
